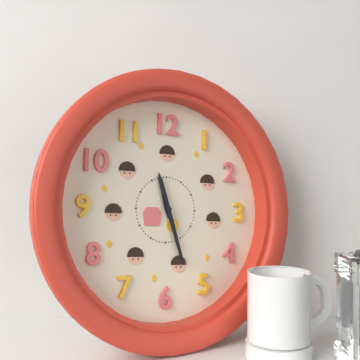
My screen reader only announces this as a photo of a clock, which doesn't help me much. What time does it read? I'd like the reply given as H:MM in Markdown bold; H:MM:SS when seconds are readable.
**11:27**
